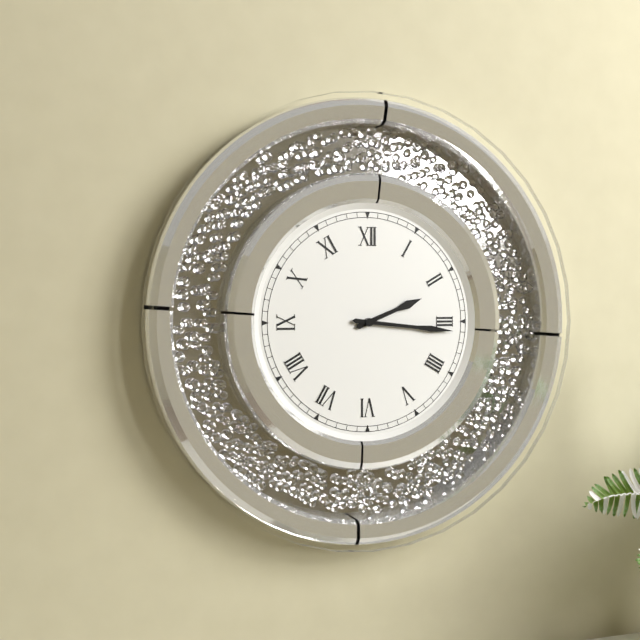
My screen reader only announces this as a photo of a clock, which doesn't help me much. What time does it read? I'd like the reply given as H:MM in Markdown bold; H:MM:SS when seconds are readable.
**2:16**
